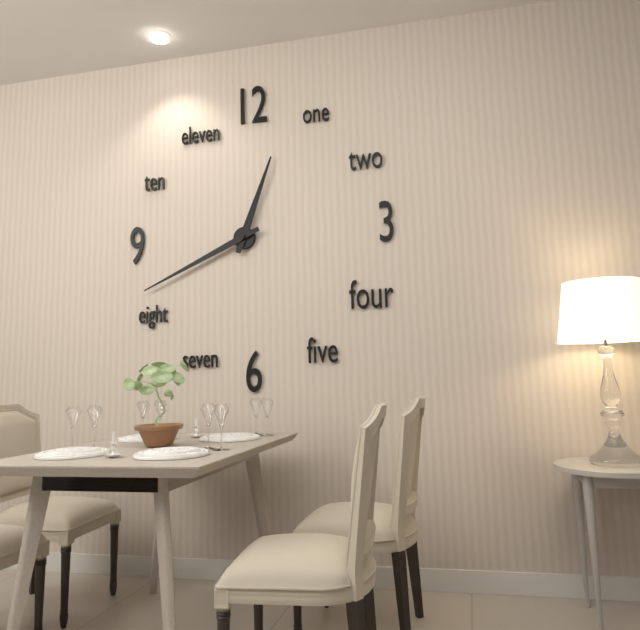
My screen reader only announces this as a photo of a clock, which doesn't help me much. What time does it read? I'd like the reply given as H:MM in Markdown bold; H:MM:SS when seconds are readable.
**12:41**
